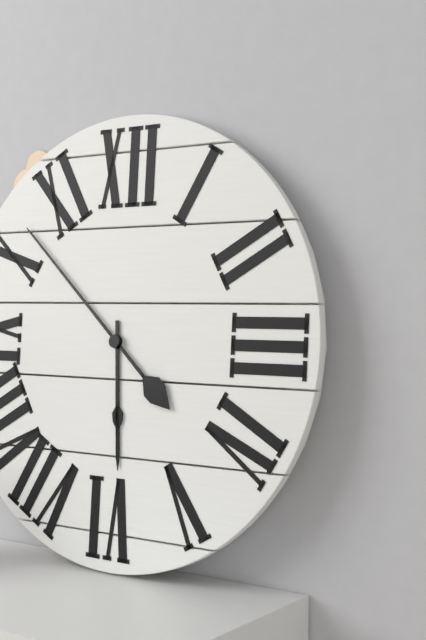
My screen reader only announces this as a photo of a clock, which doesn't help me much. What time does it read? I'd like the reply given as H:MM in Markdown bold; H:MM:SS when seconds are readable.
**5:52**
